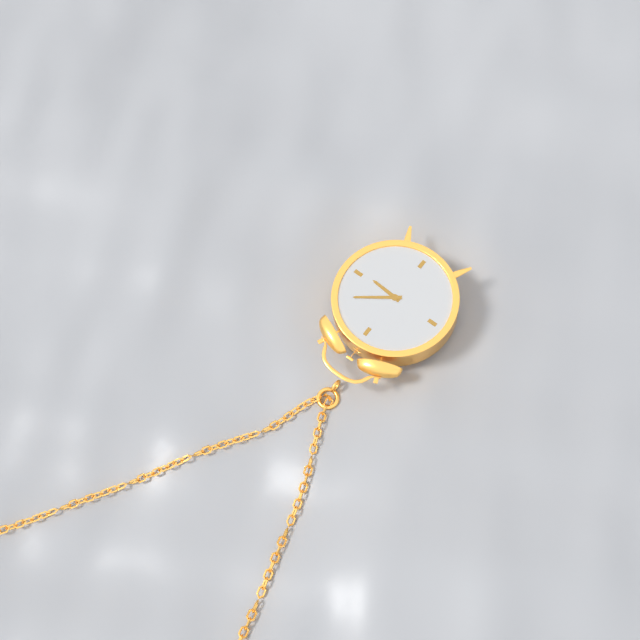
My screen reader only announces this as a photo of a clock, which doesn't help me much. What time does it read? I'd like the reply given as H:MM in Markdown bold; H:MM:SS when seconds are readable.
**3:09**
